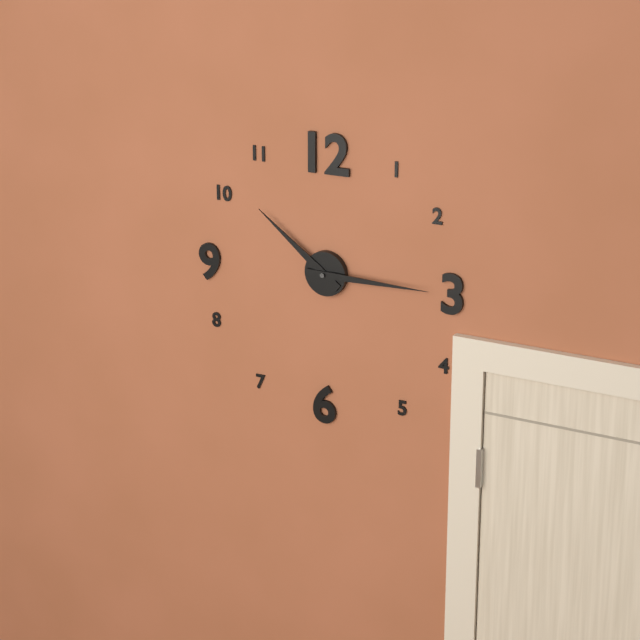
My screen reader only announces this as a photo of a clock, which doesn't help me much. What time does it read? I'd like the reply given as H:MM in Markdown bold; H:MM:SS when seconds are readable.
**10:15**
